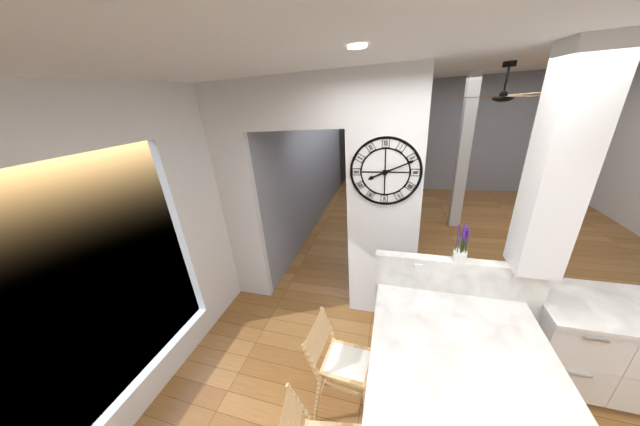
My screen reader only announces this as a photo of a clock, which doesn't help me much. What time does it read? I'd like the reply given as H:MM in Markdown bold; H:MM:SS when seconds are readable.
**8:11**
